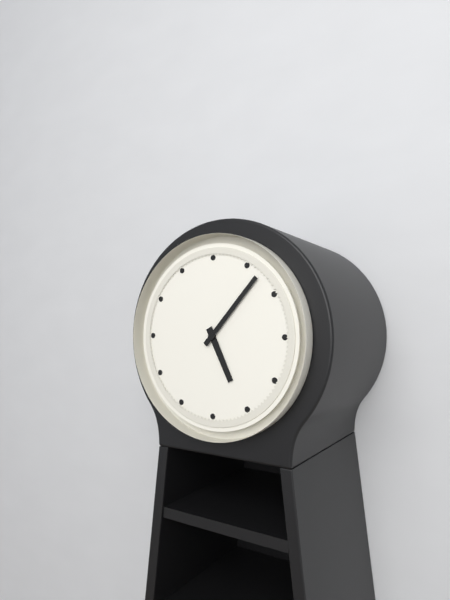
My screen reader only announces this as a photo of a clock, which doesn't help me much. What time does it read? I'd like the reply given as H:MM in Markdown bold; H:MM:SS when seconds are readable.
**5:07**
